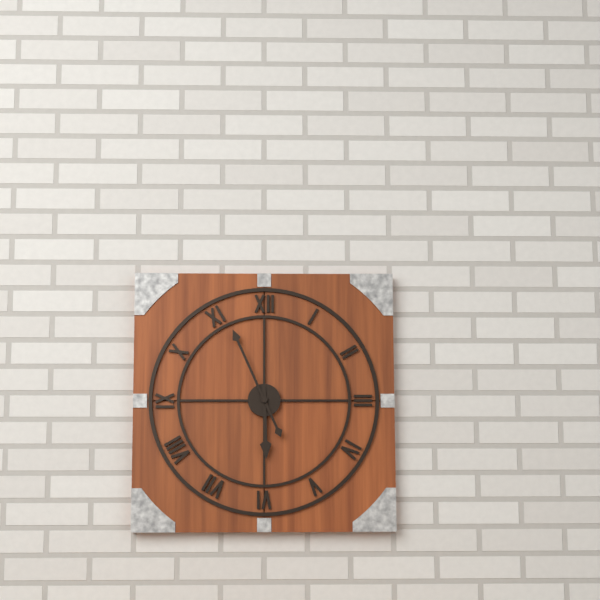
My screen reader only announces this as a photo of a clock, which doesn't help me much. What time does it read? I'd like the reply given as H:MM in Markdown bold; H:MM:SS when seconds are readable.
**5:56**
